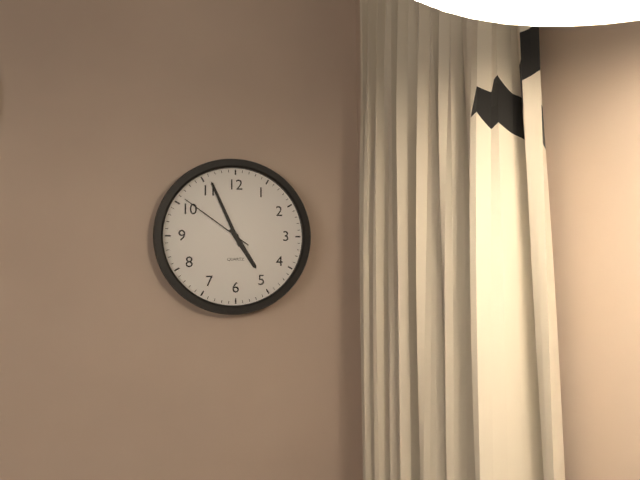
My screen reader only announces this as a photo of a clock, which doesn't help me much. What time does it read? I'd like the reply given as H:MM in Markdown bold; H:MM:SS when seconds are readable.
**4:56:51**
